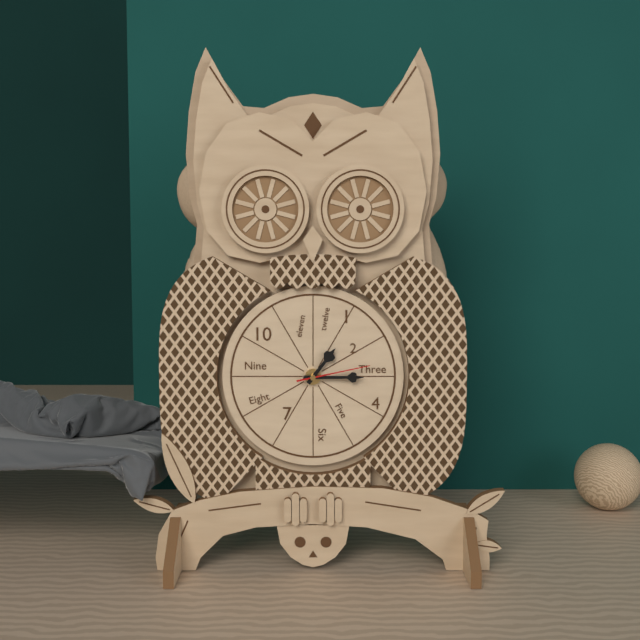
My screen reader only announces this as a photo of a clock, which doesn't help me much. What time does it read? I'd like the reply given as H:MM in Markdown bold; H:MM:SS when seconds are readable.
**1:15:13**
